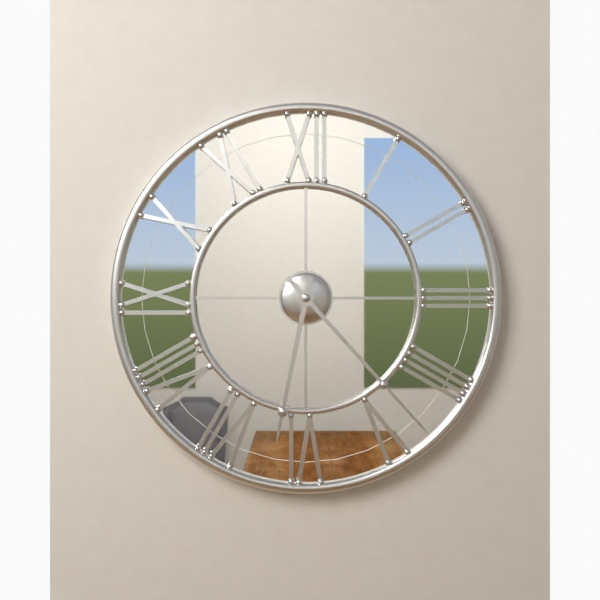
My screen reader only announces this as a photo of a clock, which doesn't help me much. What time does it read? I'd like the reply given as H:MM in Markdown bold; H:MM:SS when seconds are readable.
**6:23**
